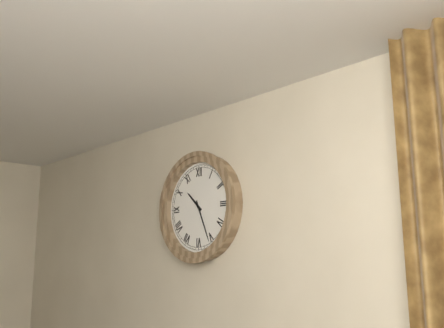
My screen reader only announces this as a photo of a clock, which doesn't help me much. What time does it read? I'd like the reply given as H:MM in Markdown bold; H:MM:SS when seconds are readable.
**10:26**
